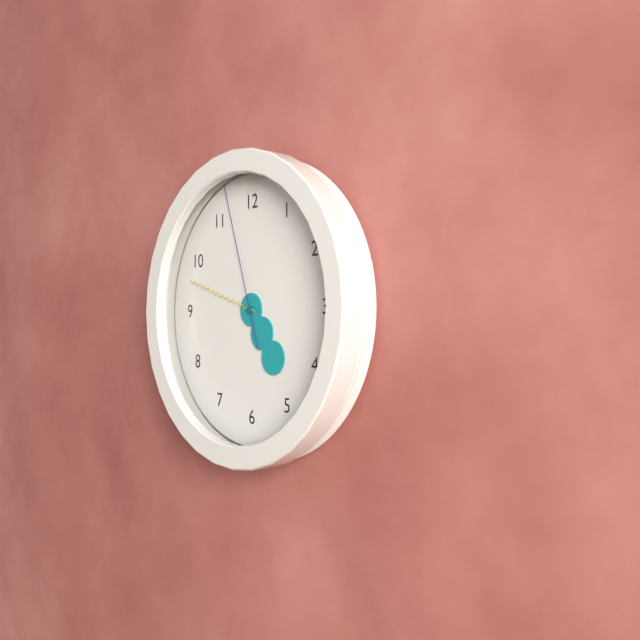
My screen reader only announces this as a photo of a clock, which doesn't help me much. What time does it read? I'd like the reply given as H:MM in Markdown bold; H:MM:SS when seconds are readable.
**4:48:57**
